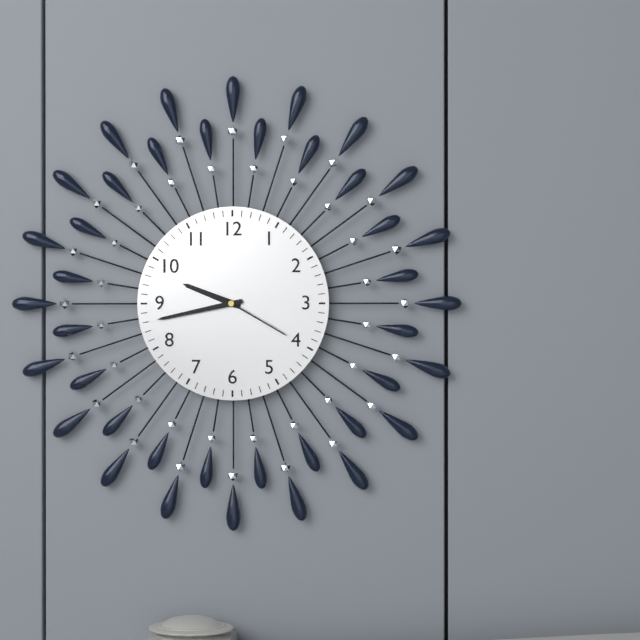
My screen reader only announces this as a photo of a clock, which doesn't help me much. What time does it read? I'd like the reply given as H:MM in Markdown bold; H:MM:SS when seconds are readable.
**9:43:20**
